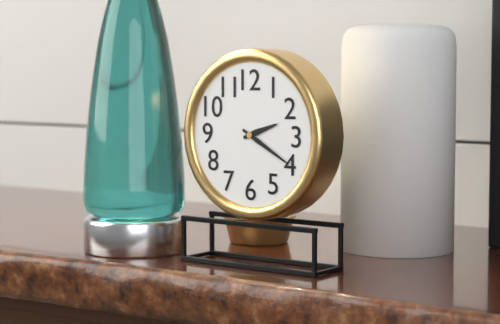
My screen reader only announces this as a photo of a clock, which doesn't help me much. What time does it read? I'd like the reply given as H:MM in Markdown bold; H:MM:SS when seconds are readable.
**2:20**
